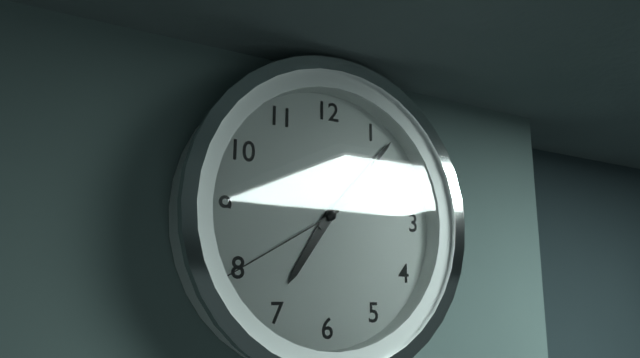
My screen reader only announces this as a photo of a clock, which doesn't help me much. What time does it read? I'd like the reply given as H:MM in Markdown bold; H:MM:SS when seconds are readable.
**7:07:40**
